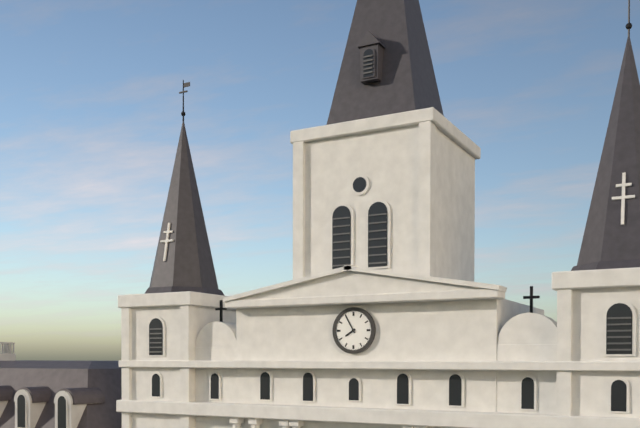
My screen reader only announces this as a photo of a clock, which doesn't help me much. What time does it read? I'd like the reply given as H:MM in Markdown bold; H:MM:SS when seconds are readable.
**7:55**
